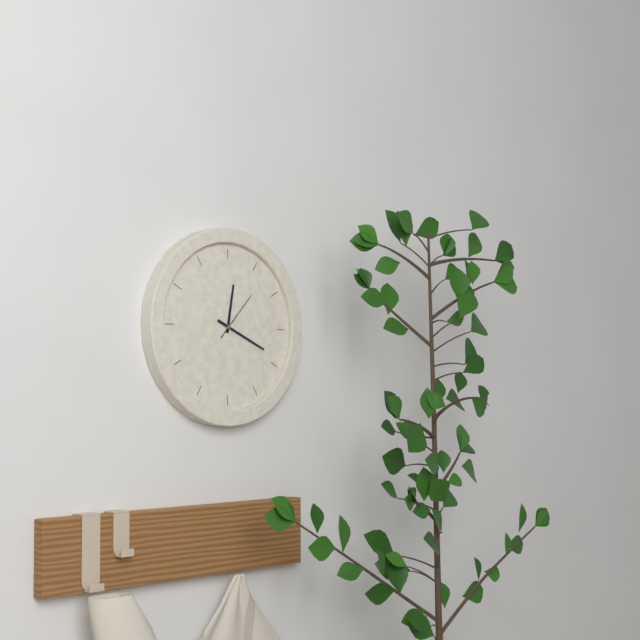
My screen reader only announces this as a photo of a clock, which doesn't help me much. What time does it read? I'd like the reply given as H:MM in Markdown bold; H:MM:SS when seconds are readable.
**12:19**
